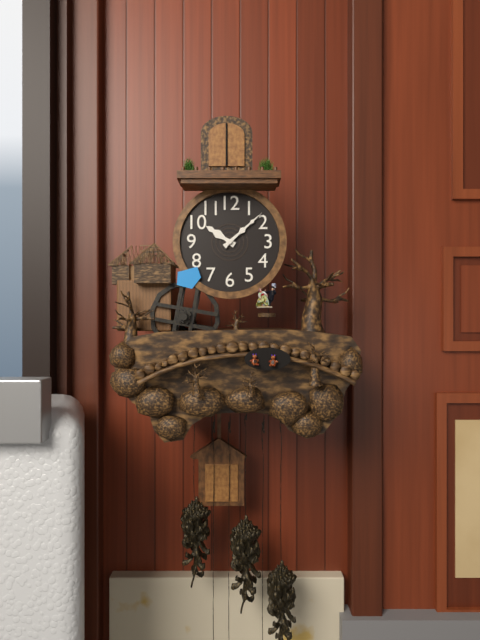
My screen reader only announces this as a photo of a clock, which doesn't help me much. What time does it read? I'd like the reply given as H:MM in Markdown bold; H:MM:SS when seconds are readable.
**10:08**
